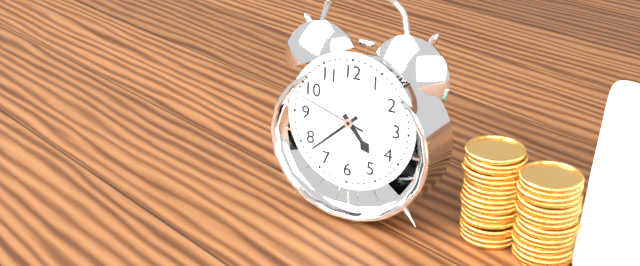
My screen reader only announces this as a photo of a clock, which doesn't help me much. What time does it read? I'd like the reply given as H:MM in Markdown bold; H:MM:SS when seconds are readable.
**4:38:48**
